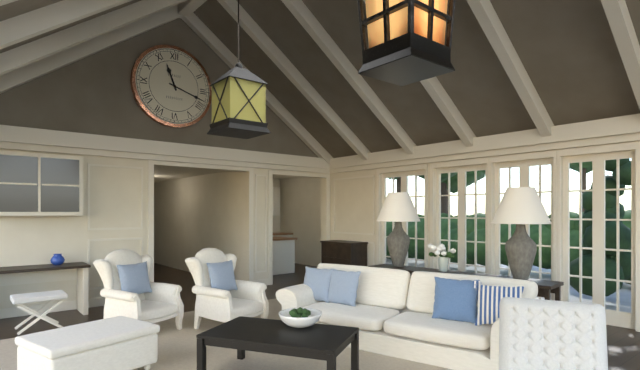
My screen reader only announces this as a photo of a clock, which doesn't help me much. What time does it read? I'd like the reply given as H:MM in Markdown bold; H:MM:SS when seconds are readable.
**11:18**
